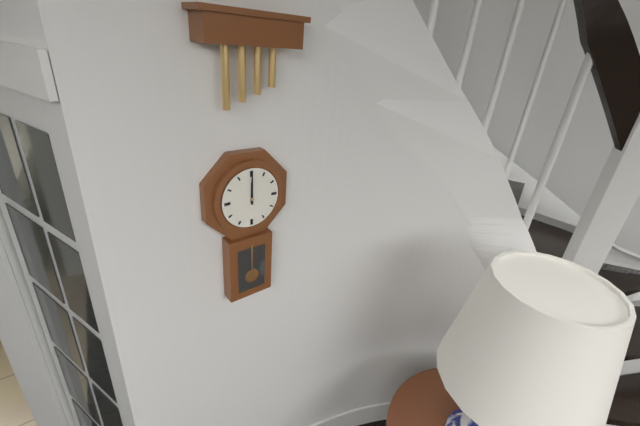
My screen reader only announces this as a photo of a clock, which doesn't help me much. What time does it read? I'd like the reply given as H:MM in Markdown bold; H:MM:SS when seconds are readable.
**12:00**
